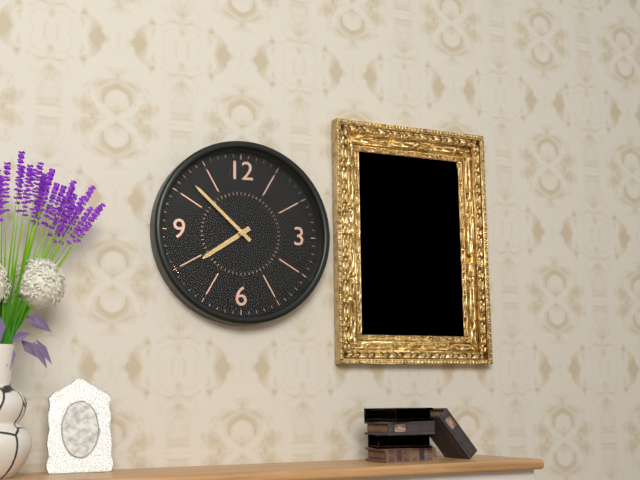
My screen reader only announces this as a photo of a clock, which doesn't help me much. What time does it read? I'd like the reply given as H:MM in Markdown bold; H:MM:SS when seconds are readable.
**7:52**
